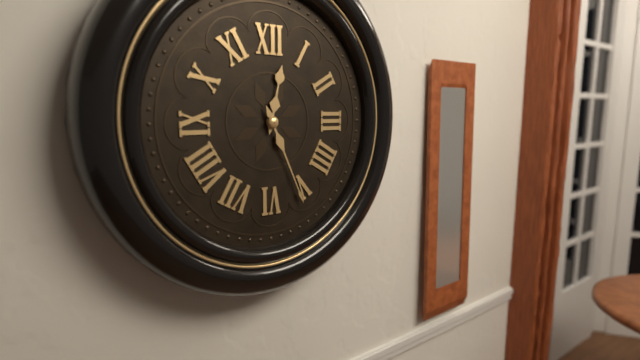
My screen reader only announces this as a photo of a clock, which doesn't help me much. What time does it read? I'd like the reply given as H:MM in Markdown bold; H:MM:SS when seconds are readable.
**12:26**
